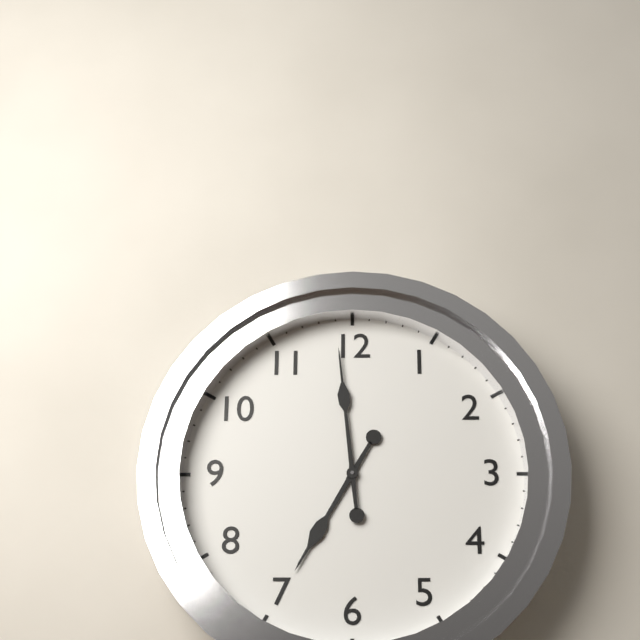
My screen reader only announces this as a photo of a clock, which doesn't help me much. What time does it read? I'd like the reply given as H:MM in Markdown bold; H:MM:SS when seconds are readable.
**6:59**
